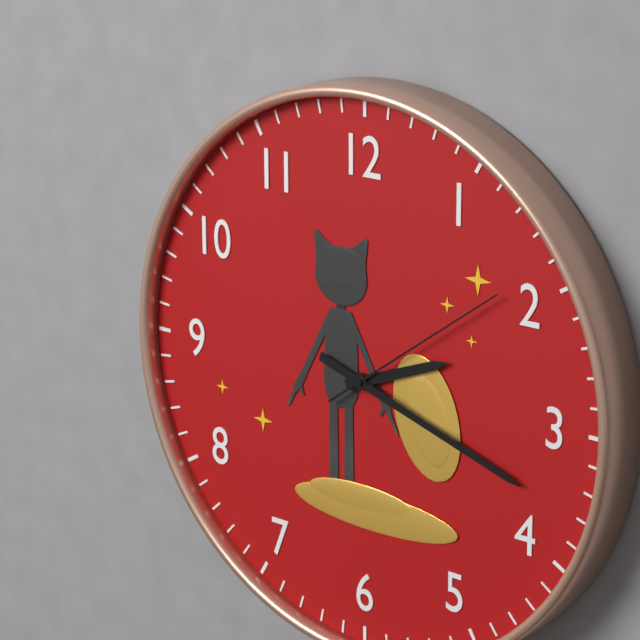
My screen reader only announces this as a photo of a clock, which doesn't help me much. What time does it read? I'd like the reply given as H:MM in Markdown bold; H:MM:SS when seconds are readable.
**2:18:09**
